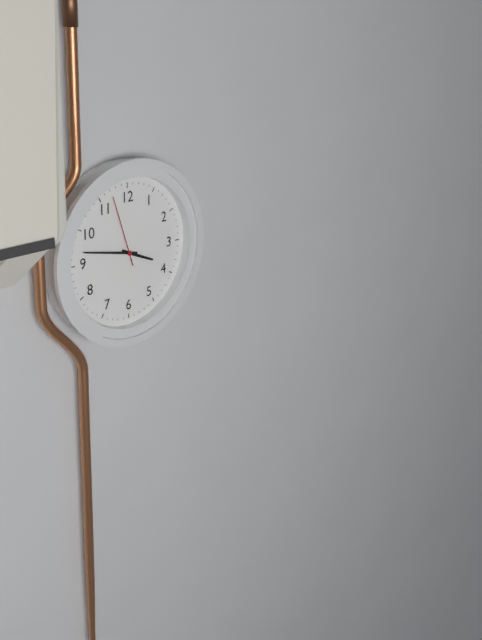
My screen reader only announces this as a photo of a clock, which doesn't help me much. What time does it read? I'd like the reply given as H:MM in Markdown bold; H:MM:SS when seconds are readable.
**3:47:57**
